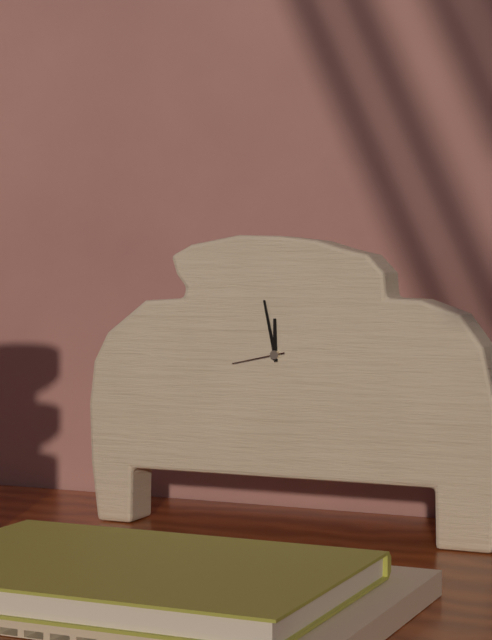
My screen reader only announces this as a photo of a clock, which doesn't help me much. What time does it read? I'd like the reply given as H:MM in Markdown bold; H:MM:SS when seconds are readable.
**11:58:43**
